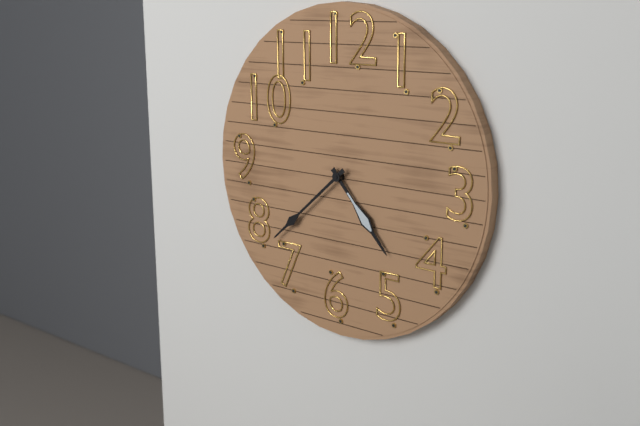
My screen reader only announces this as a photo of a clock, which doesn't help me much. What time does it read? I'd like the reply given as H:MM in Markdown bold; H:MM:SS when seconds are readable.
**4:38**
